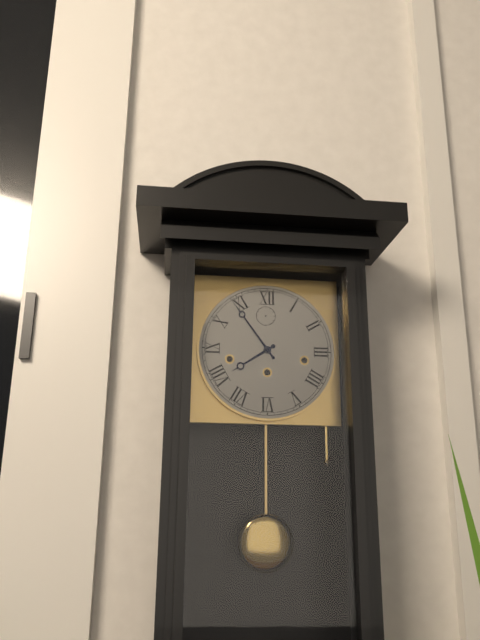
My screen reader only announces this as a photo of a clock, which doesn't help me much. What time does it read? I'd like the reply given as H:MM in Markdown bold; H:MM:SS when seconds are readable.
**7:54**
